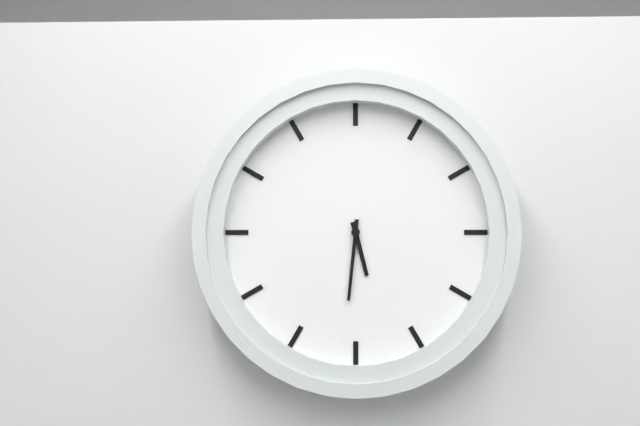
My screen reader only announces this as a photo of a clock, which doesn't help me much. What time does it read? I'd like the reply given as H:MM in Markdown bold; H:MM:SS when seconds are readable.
**5:31**
